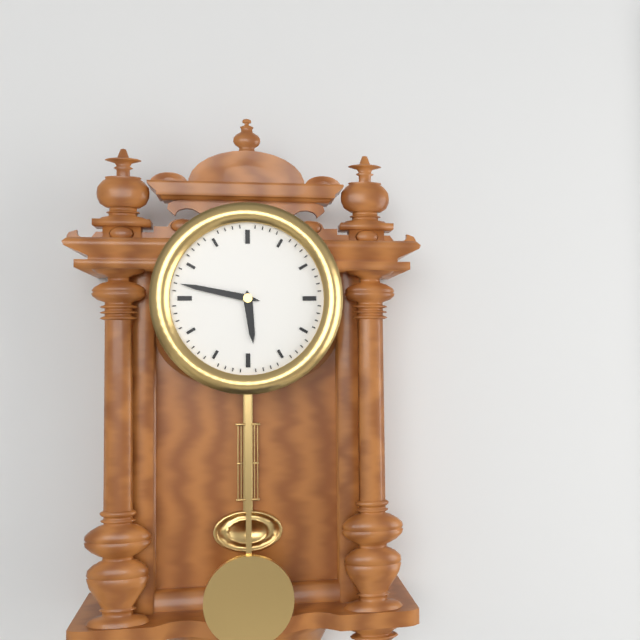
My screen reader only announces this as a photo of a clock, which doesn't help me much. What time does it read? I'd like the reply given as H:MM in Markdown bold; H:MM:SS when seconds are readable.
**5:47**
